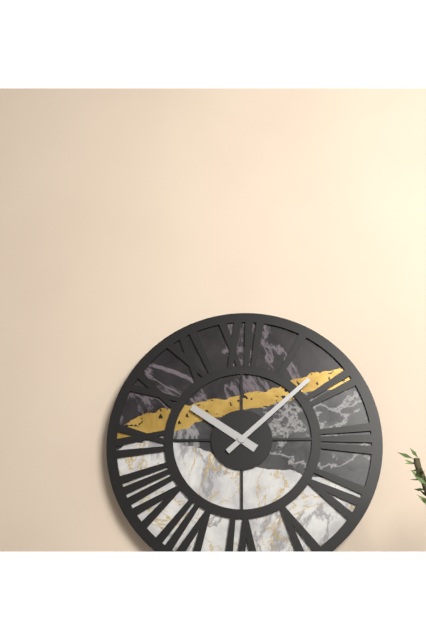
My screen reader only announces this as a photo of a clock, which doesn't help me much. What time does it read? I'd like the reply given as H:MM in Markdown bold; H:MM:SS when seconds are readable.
**10:08**
